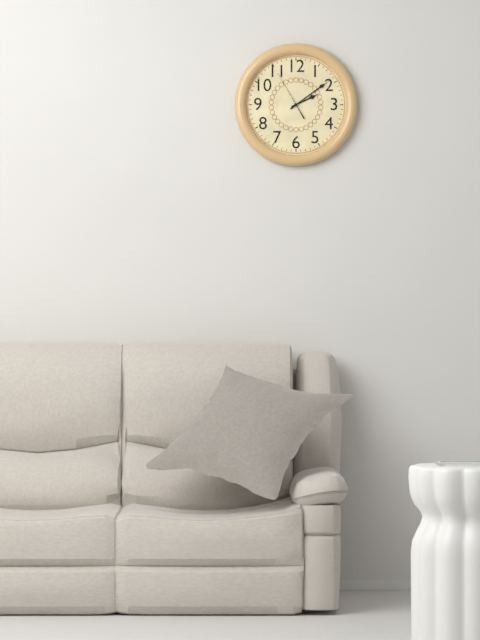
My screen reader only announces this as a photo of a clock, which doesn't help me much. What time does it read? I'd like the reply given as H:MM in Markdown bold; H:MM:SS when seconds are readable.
**2:09**
